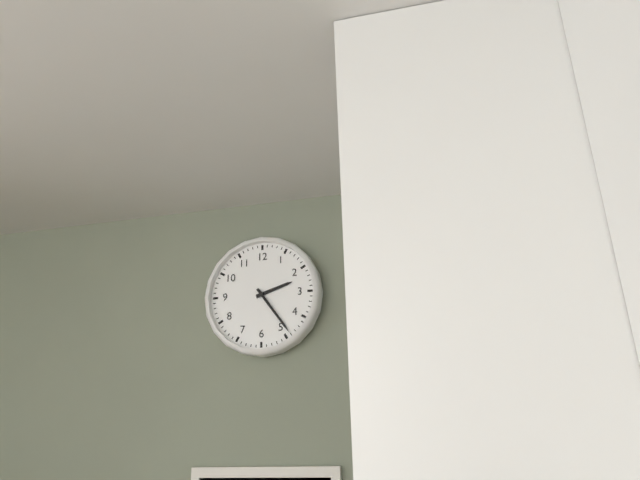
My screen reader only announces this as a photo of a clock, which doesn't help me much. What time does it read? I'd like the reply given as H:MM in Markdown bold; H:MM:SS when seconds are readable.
**2:24**
